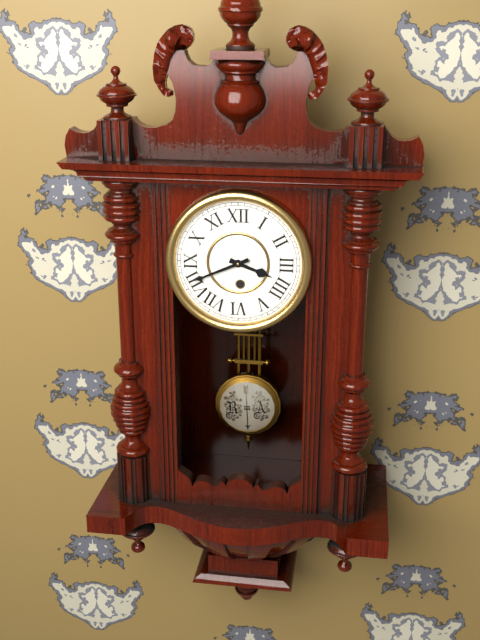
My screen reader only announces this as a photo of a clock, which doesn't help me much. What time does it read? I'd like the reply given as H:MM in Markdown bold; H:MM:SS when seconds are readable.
**3:41**
